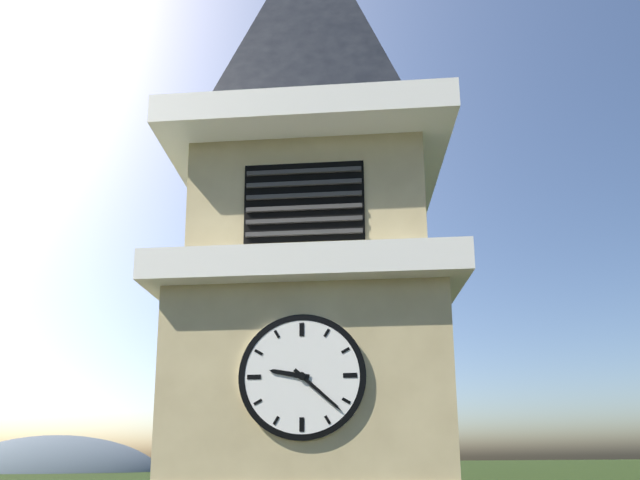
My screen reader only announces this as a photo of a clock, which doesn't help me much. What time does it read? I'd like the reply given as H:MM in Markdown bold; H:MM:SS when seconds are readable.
**9:22**
